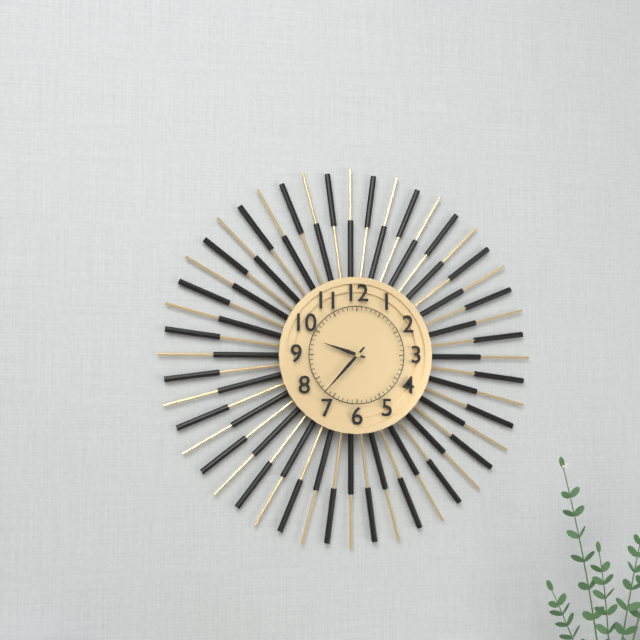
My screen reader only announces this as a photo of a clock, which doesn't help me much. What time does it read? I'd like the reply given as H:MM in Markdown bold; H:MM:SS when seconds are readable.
**9:37**
